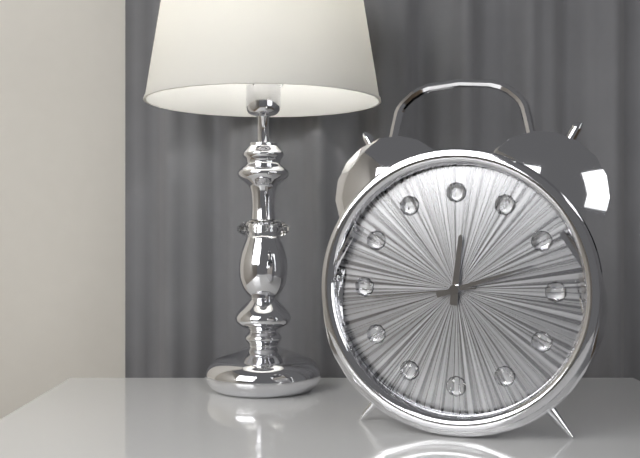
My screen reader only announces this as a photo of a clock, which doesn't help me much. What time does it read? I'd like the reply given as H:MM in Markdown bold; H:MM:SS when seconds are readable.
**12:12:44**
